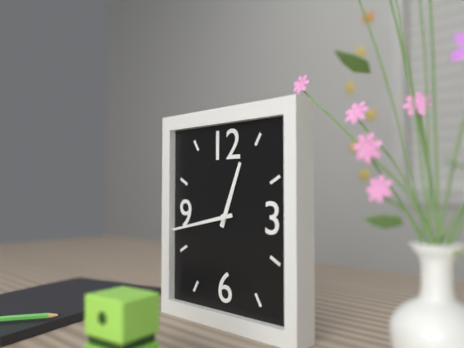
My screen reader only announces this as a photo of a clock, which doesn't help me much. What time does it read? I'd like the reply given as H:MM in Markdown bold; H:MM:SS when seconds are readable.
**12:43**
